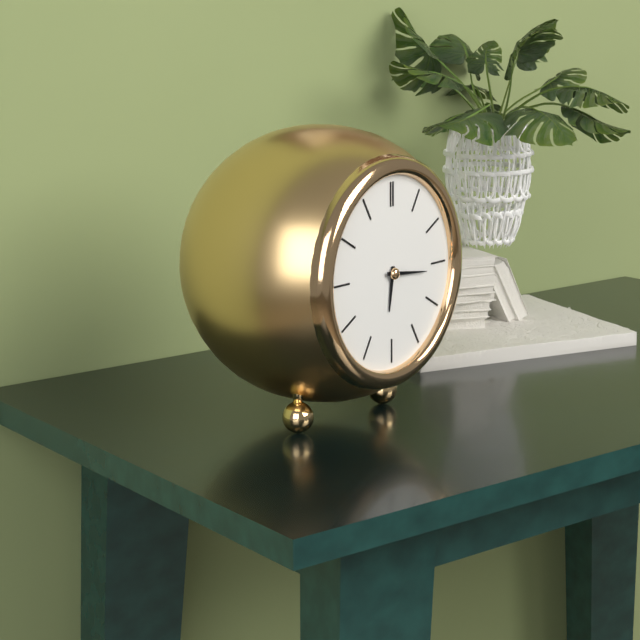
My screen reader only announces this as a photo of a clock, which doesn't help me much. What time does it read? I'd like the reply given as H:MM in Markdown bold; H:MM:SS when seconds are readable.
**6:16**
